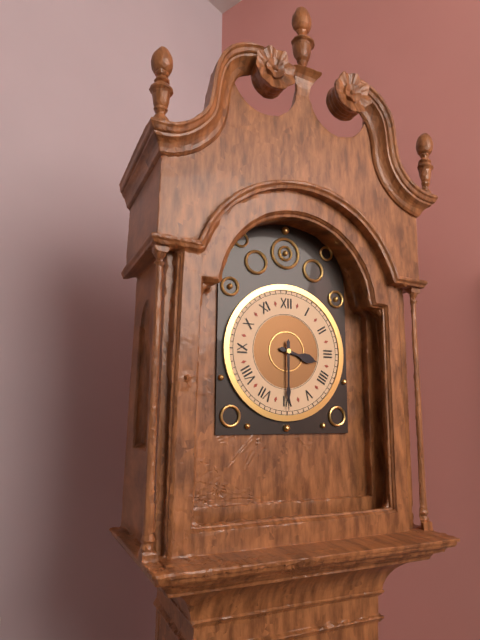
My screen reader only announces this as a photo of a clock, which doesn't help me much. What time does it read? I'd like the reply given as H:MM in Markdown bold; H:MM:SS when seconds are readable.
**3:30**
